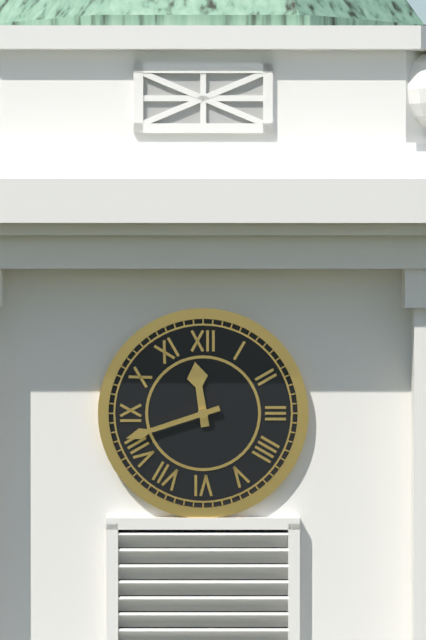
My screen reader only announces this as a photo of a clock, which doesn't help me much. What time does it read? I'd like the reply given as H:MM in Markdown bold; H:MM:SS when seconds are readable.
**11:42**
